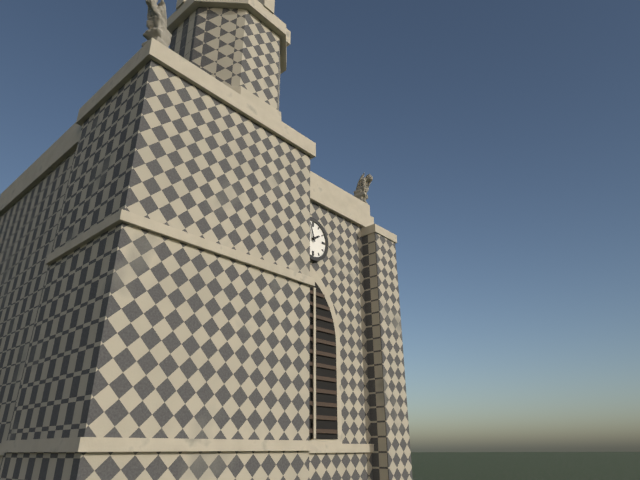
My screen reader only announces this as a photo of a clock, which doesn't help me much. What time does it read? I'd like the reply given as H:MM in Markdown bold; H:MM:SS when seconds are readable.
**1:57**
